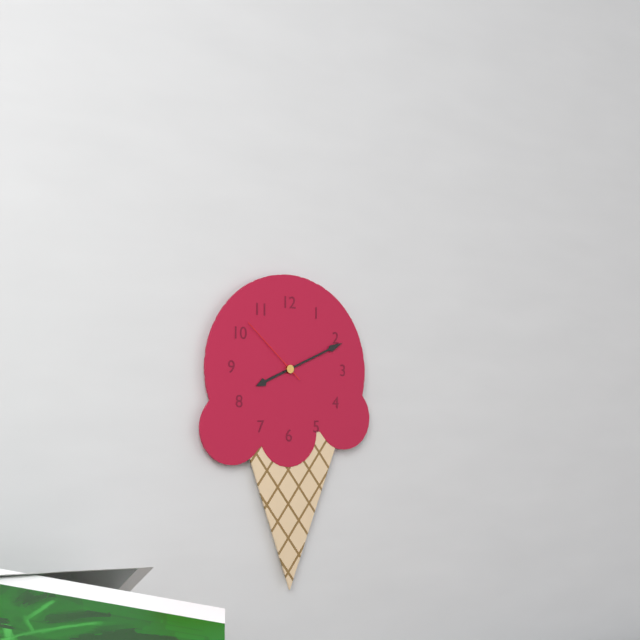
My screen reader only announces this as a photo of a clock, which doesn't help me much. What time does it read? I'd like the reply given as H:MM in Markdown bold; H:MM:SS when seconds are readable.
**8:11:52**
